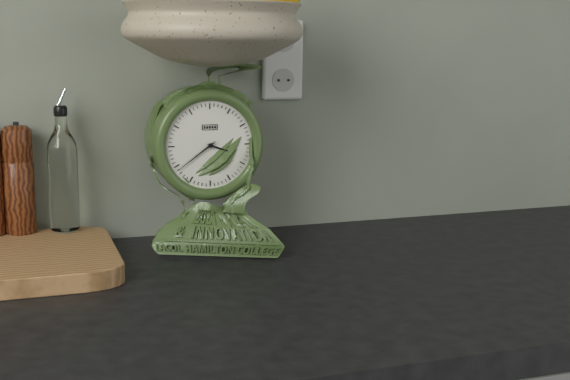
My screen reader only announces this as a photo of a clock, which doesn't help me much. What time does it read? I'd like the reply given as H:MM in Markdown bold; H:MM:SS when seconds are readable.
**3:39**
